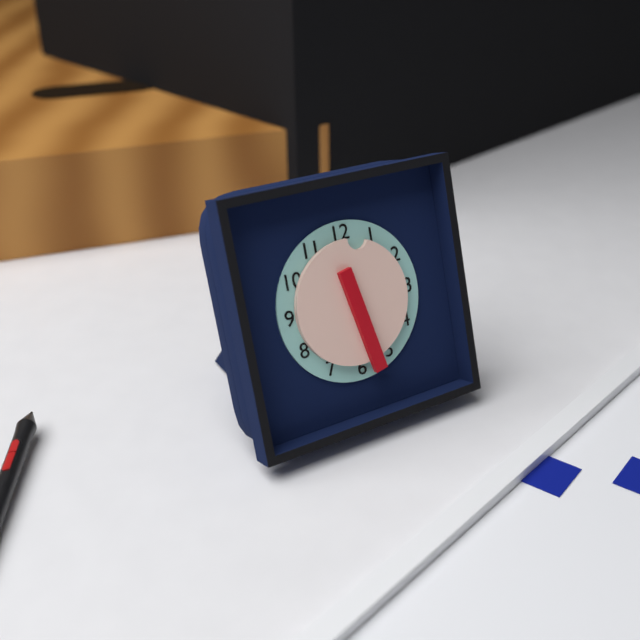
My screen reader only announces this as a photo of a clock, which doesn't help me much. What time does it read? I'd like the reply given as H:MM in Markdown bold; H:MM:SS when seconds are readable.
**12:28**
